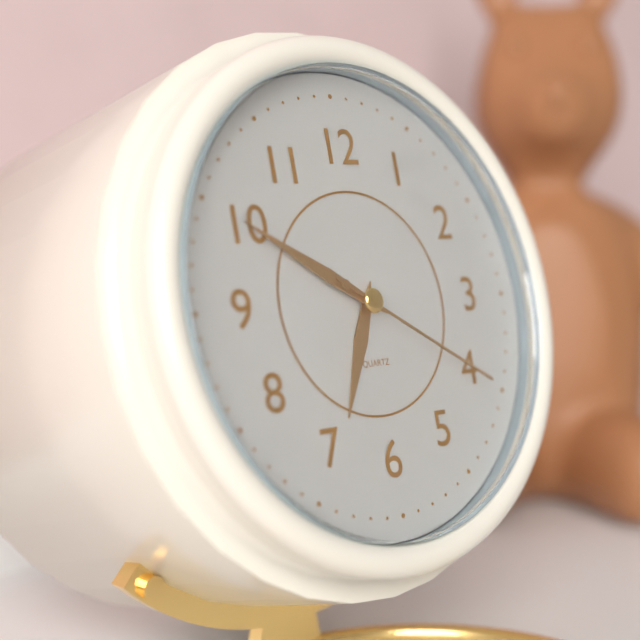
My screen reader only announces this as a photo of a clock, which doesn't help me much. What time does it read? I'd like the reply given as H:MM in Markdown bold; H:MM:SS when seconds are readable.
**6:50:20**
